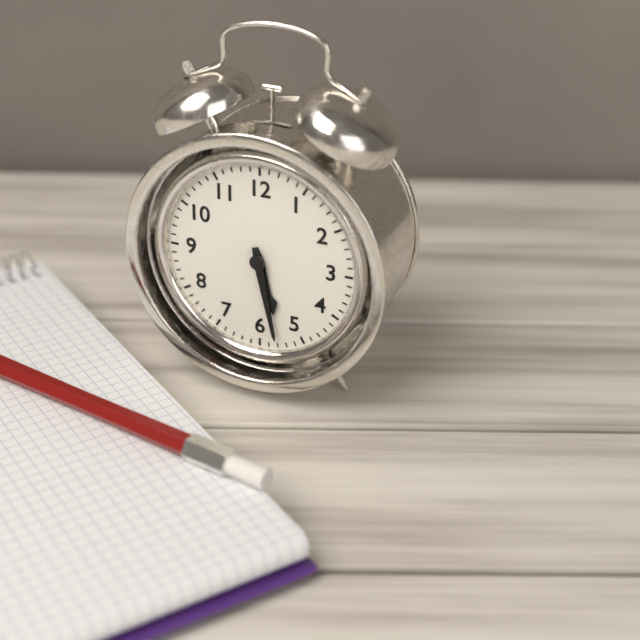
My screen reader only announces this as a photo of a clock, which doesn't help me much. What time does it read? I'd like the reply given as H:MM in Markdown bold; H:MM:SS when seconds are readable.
**5:28**
